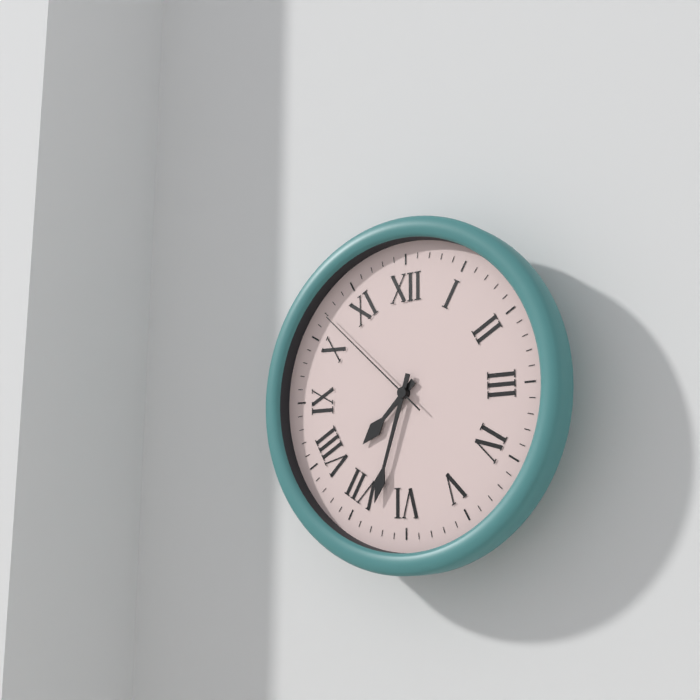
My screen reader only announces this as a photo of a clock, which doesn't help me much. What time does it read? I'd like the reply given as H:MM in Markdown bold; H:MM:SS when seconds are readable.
**7:33:52**
